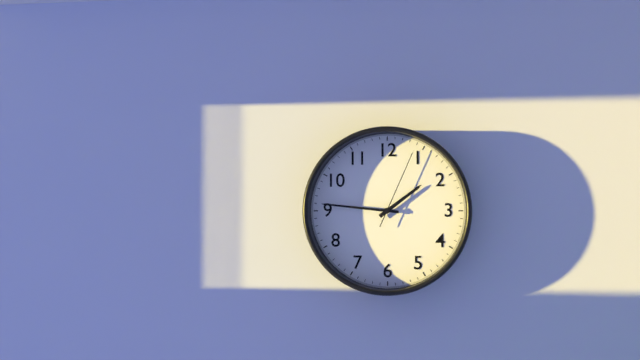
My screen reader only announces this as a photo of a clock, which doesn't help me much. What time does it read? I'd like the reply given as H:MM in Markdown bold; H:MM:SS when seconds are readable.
**1:46:04**
